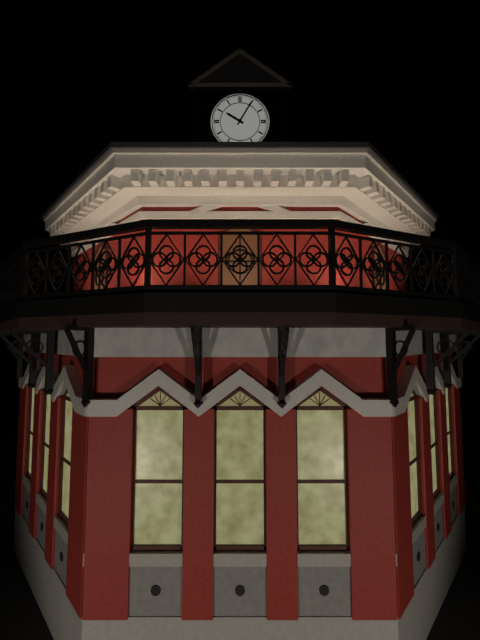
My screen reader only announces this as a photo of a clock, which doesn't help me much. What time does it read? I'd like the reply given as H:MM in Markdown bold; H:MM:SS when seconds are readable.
**10:05**
